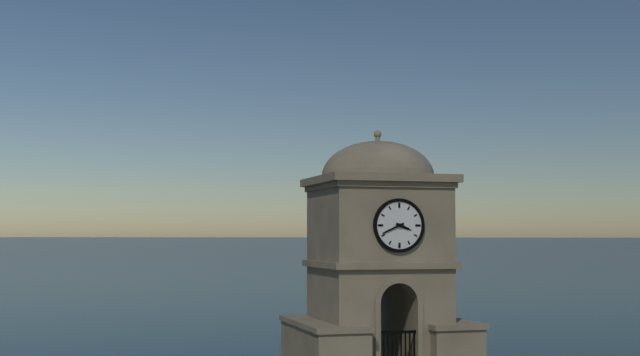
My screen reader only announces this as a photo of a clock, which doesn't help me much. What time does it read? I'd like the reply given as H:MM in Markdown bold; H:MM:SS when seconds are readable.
**3:41**
